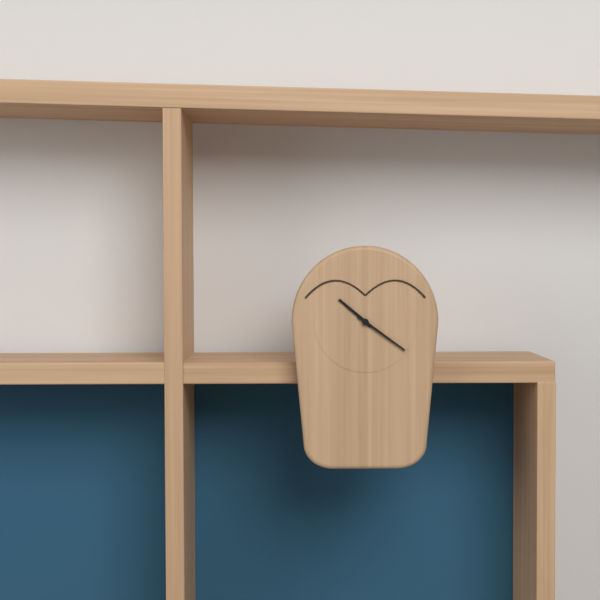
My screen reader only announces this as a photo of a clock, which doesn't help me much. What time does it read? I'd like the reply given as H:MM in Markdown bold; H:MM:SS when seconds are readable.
**10:21**
